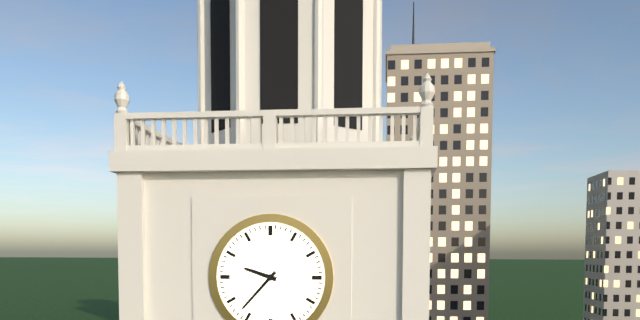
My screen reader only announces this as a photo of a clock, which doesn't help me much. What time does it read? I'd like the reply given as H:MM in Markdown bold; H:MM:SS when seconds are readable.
**9:37**
